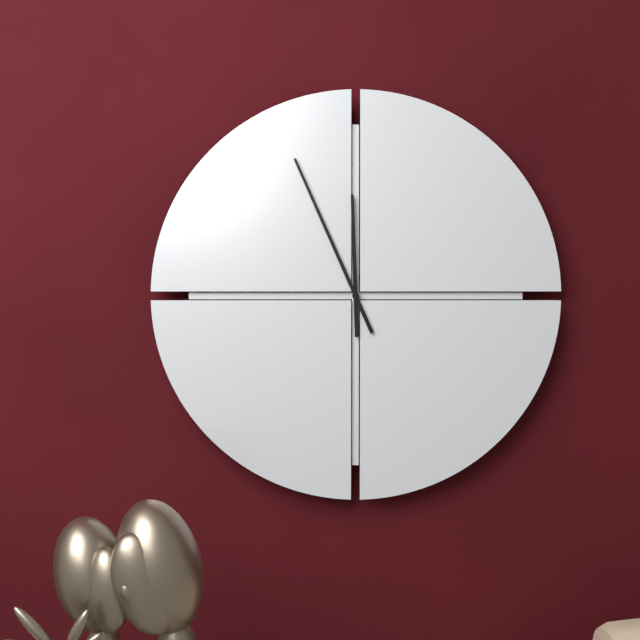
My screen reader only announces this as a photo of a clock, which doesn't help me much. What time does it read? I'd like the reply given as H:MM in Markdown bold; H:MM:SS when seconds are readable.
**11:56**
